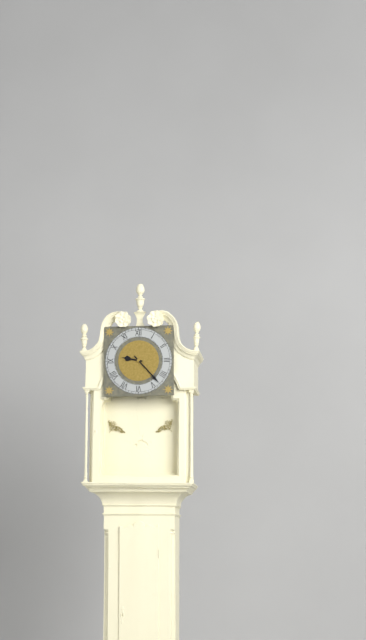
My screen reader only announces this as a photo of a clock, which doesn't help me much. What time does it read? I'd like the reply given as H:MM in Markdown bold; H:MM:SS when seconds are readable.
**9:23**
